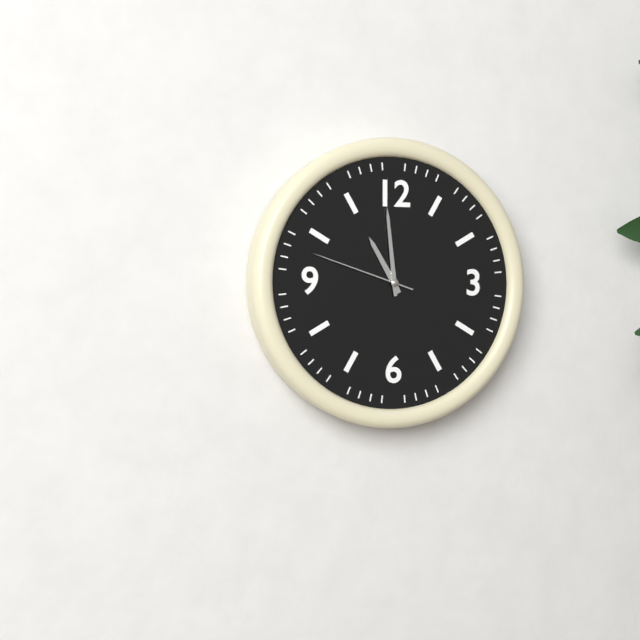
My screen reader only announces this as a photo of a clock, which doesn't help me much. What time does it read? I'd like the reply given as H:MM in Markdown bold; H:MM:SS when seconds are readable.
**10:59:48**
